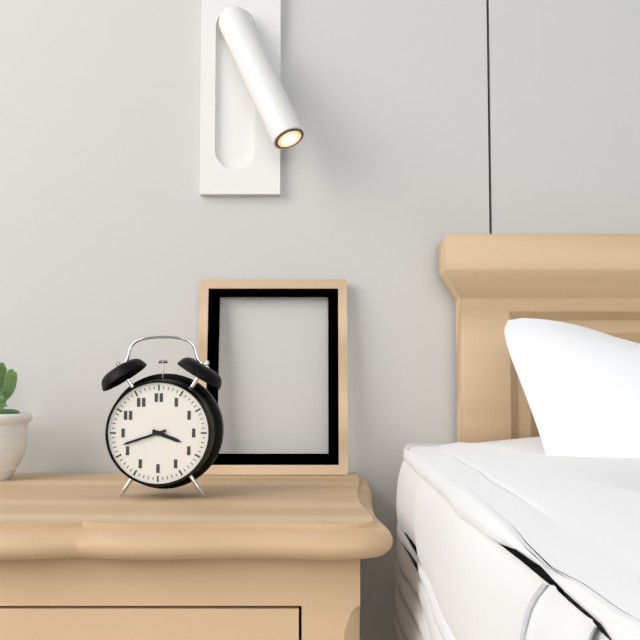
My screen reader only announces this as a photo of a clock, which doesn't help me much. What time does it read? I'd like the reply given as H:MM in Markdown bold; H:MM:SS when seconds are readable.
**3:42**
